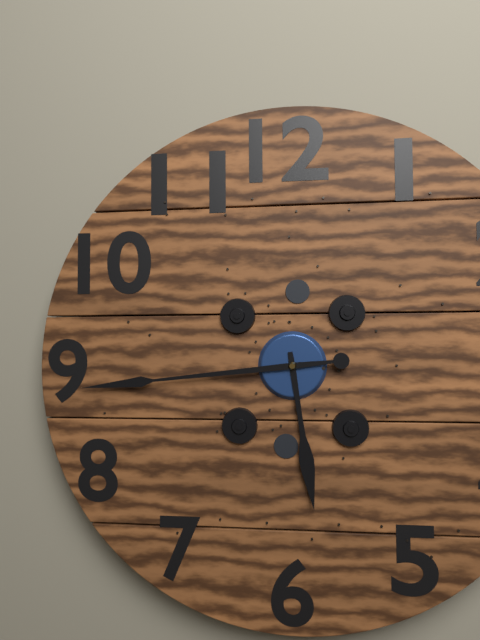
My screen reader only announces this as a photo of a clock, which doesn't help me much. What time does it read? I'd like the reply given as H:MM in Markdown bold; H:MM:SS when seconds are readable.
**5:44**
